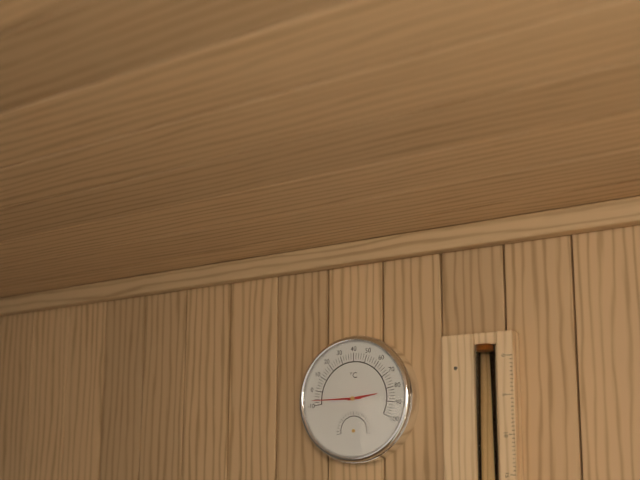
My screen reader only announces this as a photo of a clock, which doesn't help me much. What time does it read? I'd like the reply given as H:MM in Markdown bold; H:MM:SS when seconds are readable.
**2:45**
